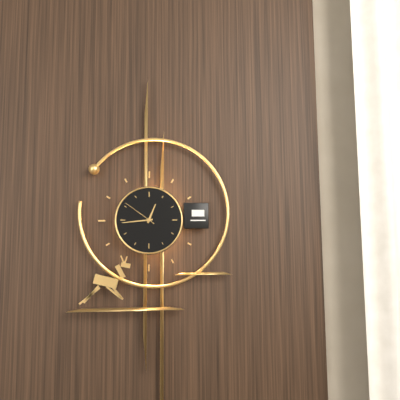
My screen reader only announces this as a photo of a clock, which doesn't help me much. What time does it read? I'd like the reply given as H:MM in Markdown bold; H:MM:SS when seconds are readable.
**12:44**
